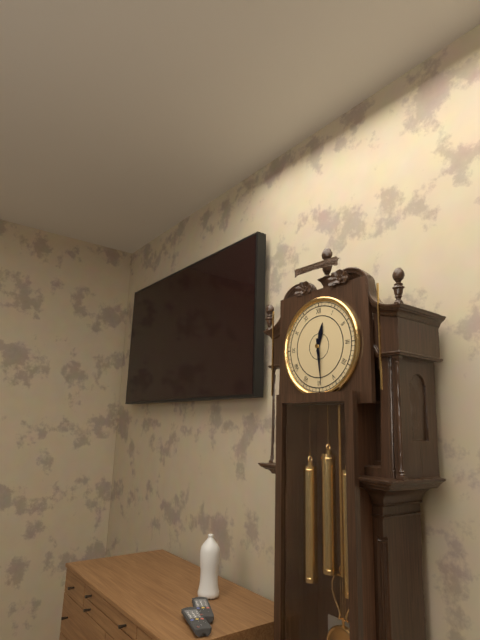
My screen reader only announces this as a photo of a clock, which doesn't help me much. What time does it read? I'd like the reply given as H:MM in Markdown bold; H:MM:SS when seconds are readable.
**12:29**
